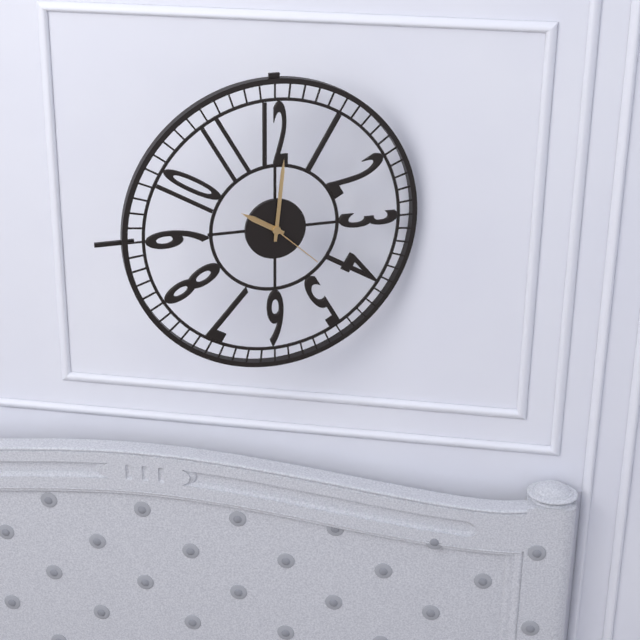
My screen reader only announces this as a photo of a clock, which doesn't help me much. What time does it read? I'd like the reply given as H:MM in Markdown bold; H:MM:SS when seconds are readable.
**10:01:22**
